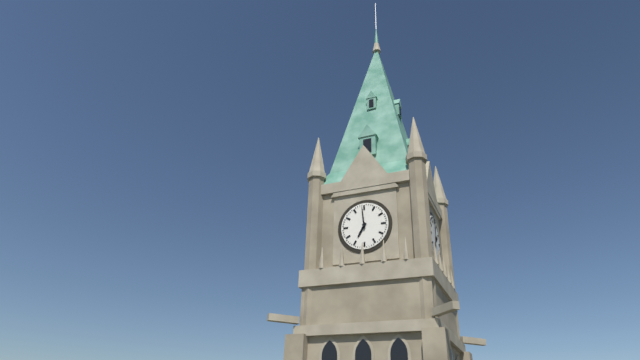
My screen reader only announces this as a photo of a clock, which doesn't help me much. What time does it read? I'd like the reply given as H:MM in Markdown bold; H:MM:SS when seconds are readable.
**6:59**
